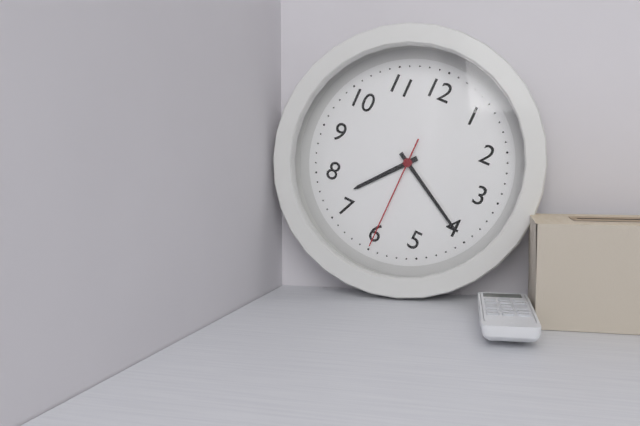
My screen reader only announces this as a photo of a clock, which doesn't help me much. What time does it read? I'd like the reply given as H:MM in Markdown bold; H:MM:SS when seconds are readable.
**7:20:30**
